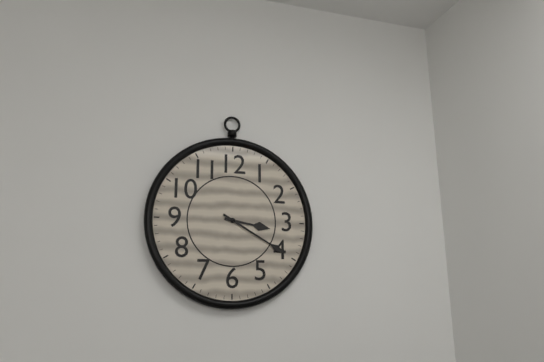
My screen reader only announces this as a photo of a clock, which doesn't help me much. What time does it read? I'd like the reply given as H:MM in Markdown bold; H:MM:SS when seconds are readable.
**3:20**
